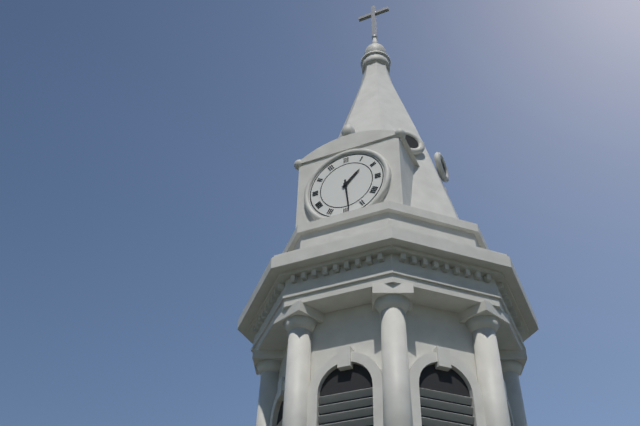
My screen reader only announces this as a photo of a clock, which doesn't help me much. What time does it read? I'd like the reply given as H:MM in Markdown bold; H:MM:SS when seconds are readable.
**1:29**
